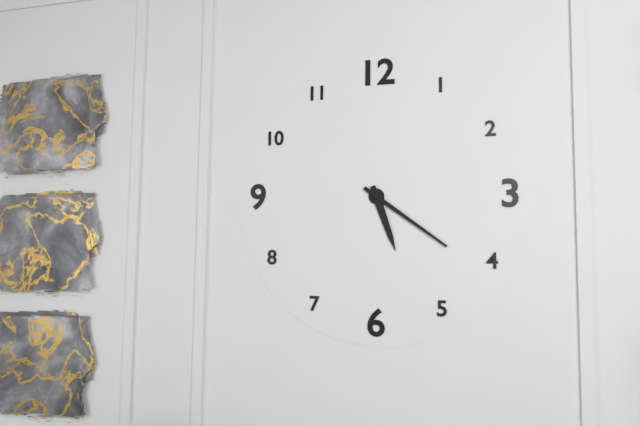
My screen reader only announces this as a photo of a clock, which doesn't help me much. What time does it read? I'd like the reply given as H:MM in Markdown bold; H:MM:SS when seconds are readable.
**5:21**
